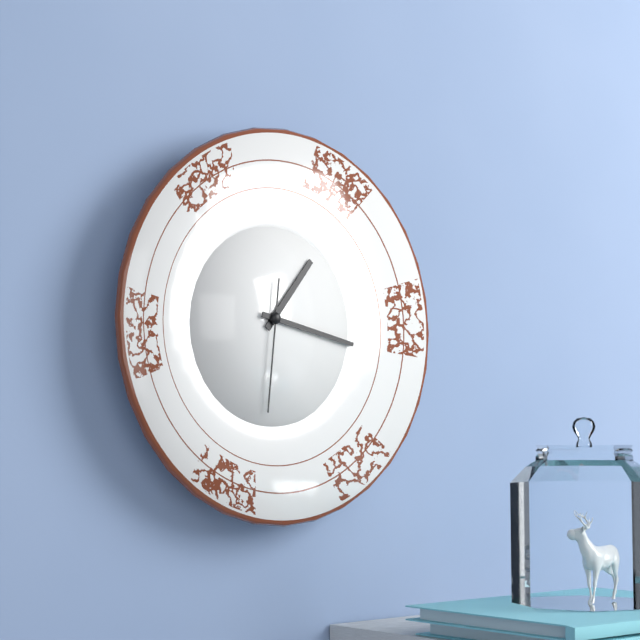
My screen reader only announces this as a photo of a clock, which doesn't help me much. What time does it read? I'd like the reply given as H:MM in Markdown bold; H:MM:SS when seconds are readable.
**1:17:31**
